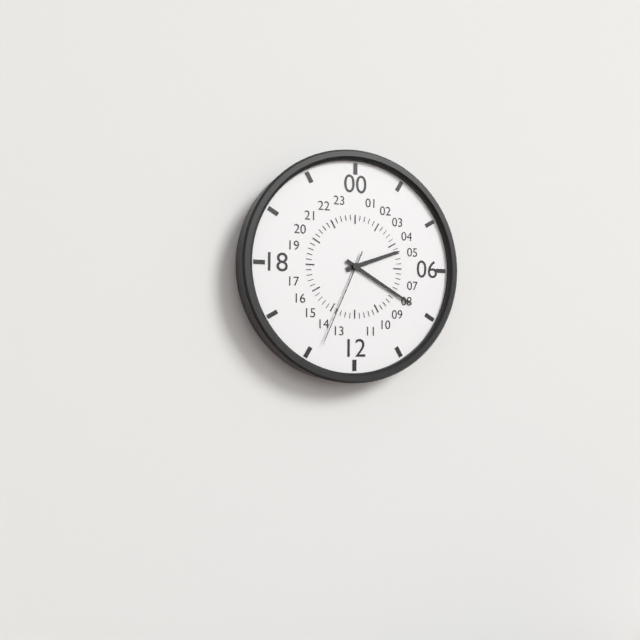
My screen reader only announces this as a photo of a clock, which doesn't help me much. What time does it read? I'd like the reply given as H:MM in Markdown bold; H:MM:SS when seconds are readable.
**2:20:34**
